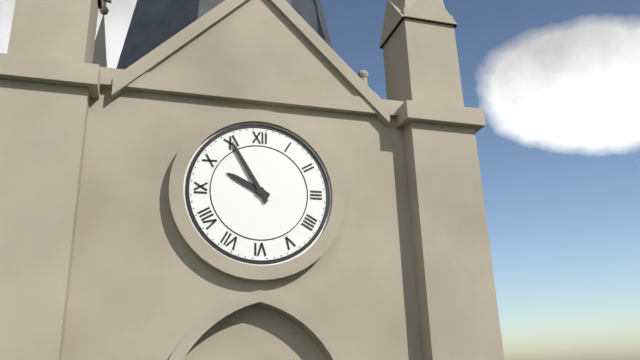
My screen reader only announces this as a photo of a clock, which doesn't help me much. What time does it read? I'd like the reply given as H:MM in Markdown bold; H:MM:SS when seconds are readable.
**9:55**
